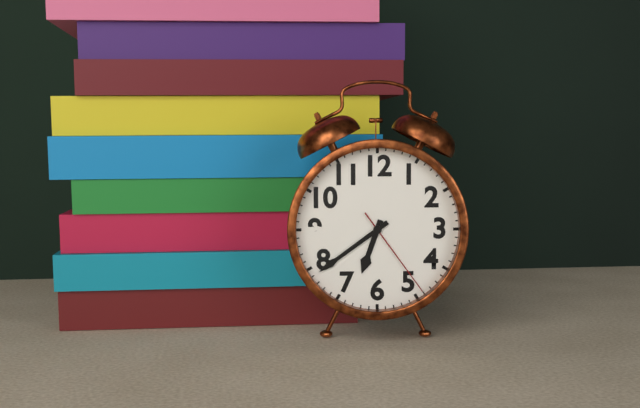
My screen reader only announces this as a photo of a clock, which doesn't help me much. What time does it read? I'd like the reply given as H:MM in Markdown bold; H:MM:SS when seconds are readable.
**6:39:24**
